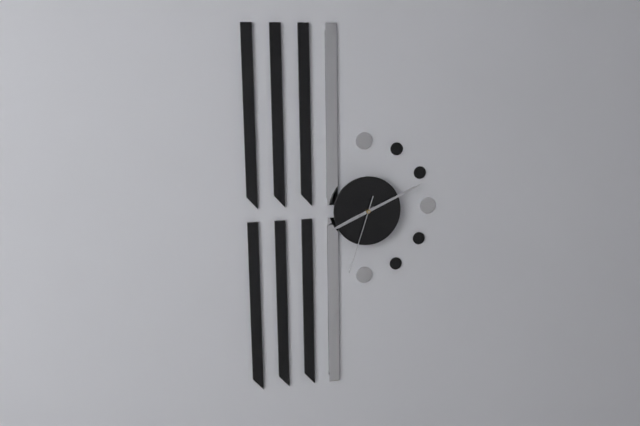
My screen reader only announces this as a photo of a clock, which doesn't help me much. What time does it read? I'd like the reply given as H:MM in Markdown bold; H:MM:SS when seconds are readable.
**8:11:33**
